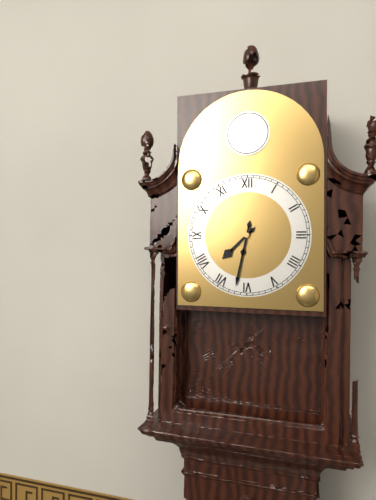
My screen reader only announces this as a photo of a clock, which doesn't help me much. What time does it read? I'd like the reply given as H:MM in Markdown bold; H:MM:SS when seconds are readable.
**7:32**
